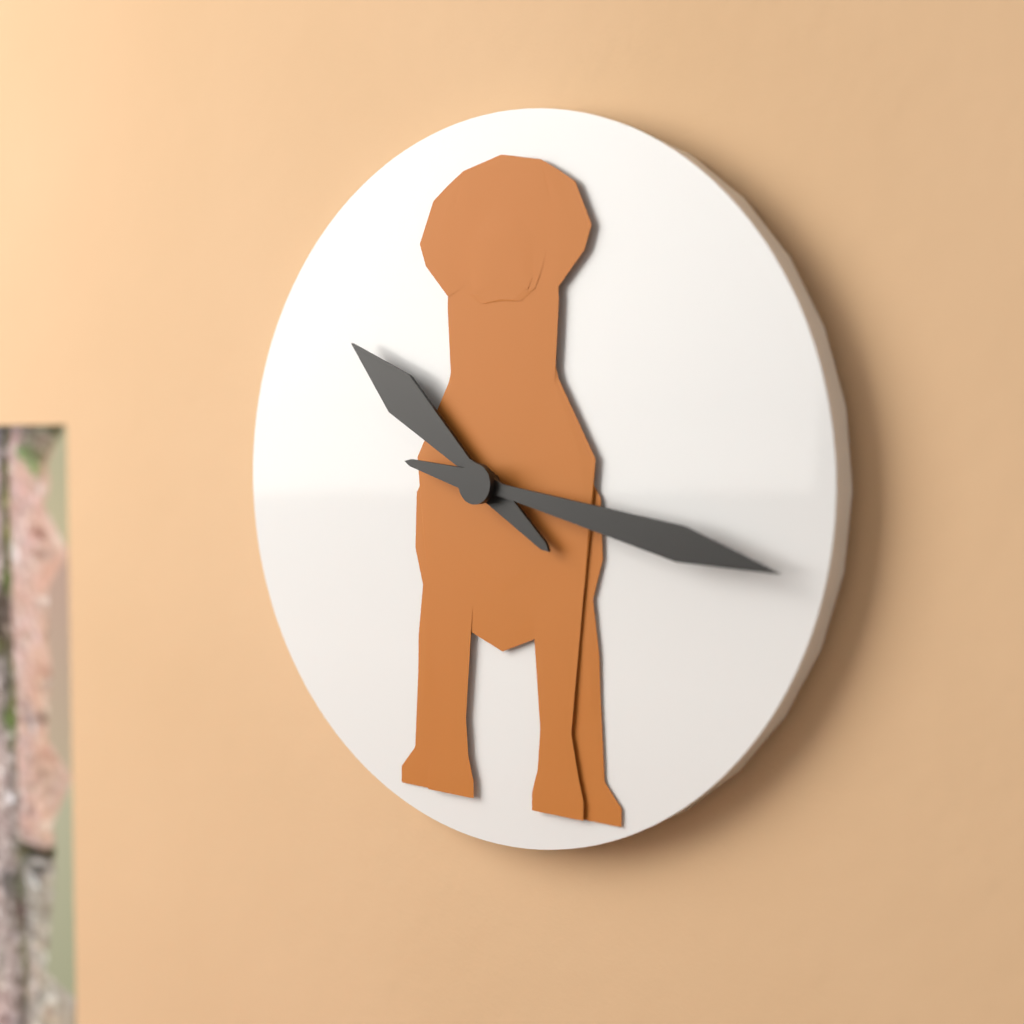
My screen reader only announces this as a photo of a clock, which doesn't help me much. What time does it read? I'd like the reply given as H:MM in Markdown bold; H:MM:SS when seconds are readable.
**10:17**
